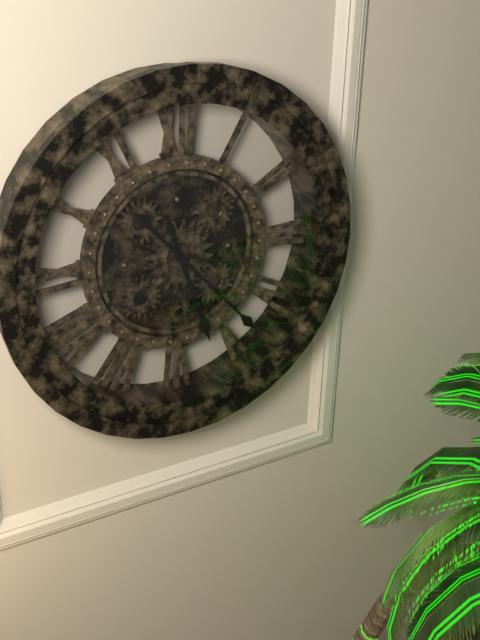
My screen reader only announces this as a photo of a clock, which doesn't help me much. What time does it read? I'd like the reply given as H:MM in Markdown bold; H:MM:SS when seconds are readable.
**5:23**
